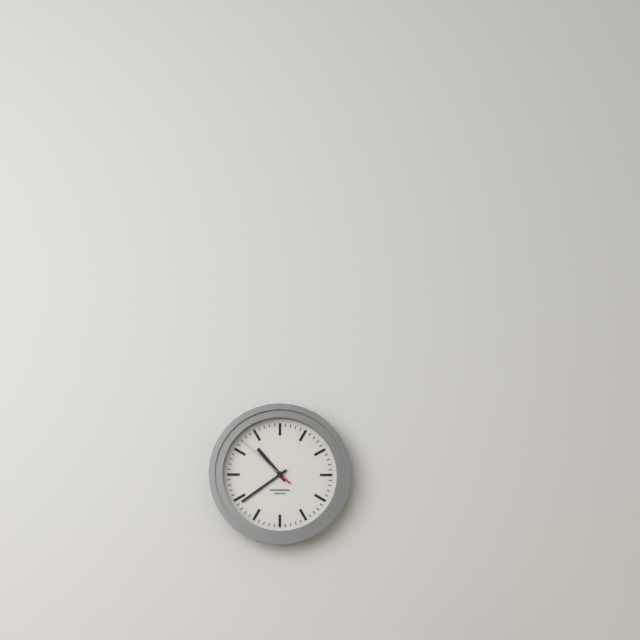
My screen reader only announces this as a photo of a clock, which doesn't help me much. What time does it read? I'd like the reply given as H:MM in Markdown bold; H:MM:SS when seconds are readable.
**10:39:52**
